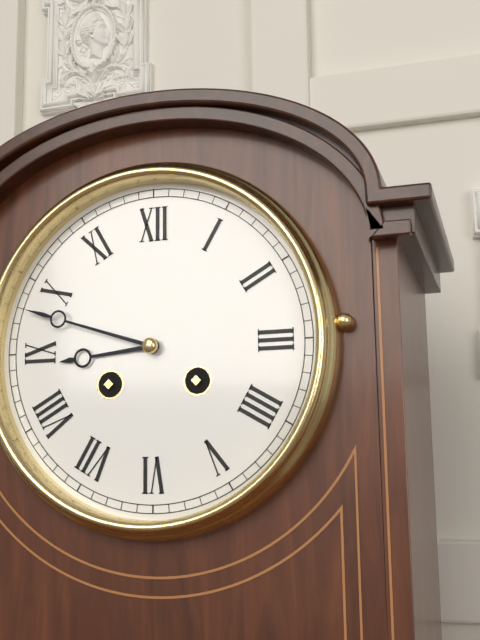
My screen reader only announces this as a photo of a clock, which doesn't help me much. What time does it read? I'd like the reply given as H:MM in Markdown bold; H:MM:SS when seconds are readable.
**8:48**
